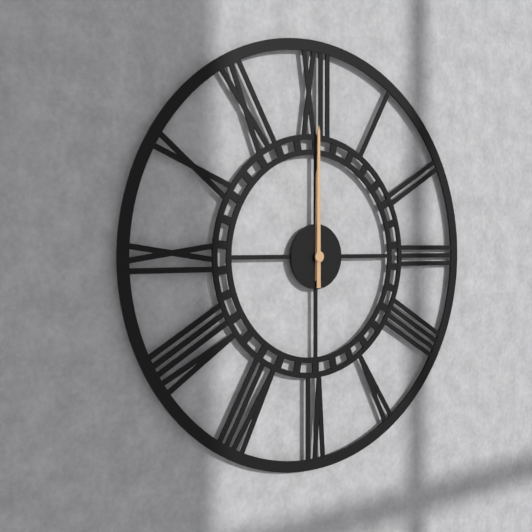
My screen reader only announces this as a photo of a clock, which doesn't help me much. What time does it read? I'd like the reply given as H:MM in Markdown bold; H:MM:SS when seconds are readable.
**12:00**
